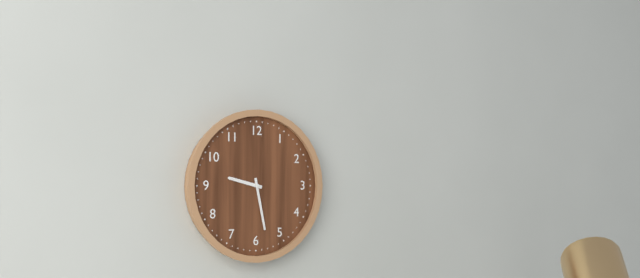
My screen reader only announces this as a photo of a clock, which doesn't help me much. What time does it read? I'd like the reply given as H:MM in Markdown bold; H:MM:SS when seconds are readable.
**9:28**
